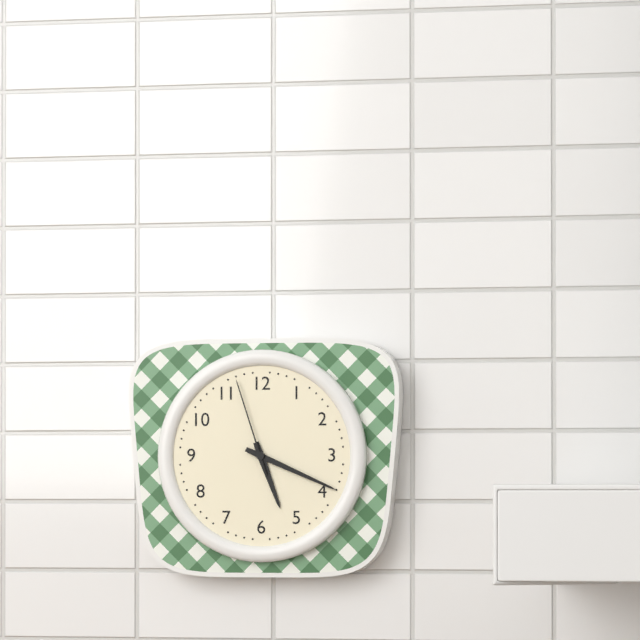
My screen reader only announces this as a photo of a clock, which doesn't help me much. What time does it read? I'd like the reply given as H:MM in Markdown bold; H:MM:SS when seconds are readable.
**5:19:57**
